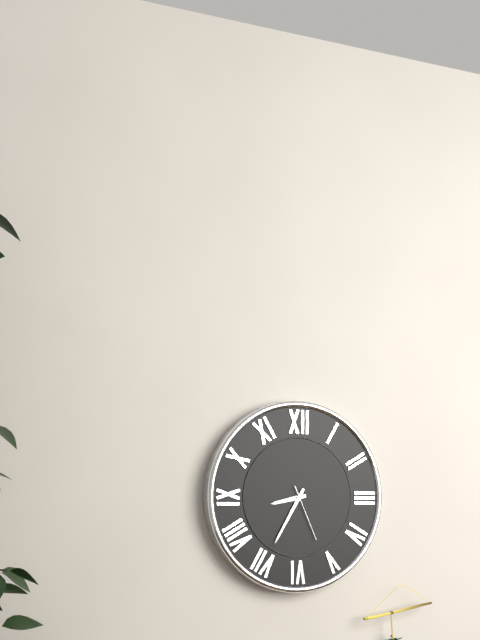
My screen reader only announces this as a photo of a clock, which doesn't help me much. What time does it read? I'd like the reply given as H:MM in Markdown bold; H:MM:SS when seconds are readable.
**8:35:26**
